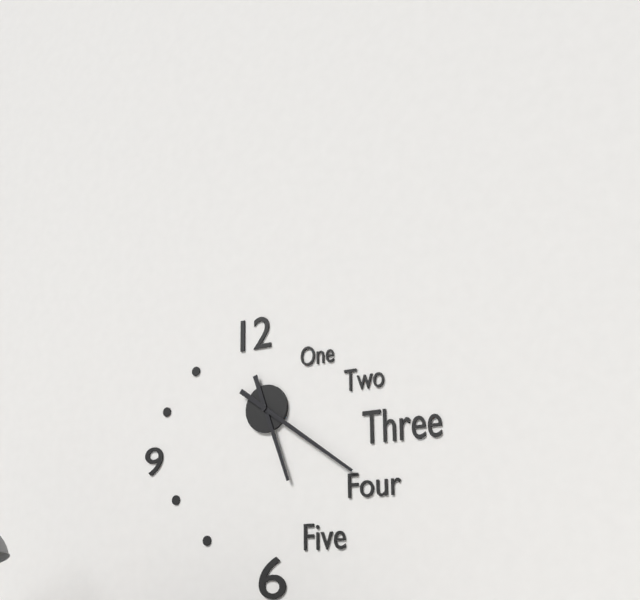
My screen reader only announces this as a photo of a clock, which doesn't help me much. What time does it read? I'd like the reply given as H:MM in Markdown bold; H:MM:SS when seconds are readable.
**5:21**
